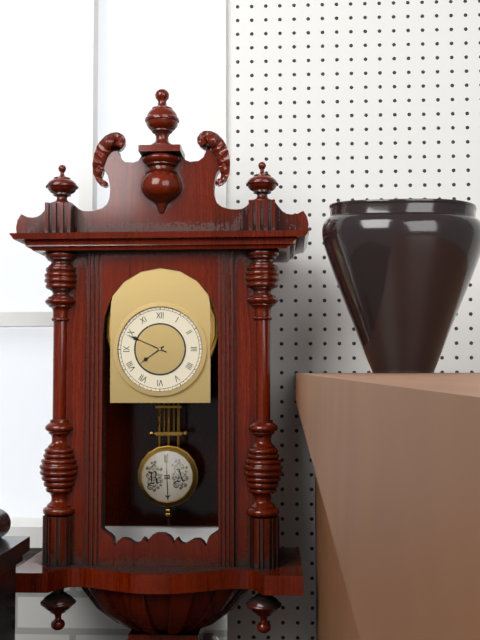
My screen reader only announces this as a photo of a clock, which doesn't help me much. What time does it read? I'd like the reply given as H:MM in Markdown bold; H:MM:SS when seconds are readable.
**7:49**
